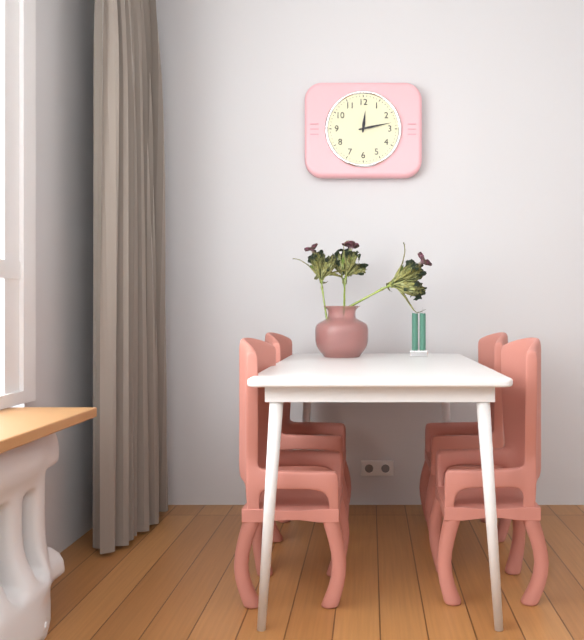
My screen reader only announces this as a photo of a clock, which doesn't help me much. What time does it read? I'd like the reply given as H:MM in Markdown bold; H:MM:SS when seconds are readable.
**12:13**
